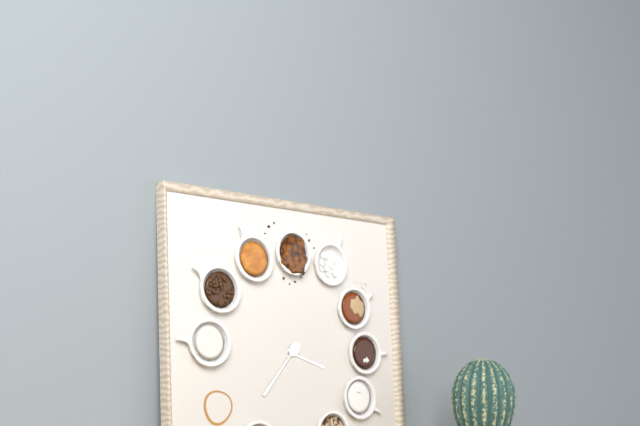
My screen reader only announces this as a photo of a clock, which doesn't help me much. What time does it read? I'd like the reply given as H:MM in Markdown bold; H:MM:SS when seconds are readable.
**3:37**
